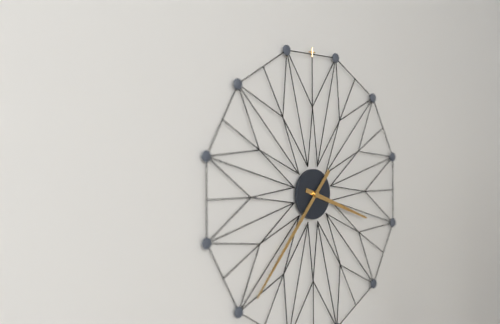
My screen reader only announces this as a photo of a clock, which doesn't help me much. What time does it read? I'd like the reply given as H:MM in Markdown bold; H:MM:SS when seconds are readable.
**3:37**
